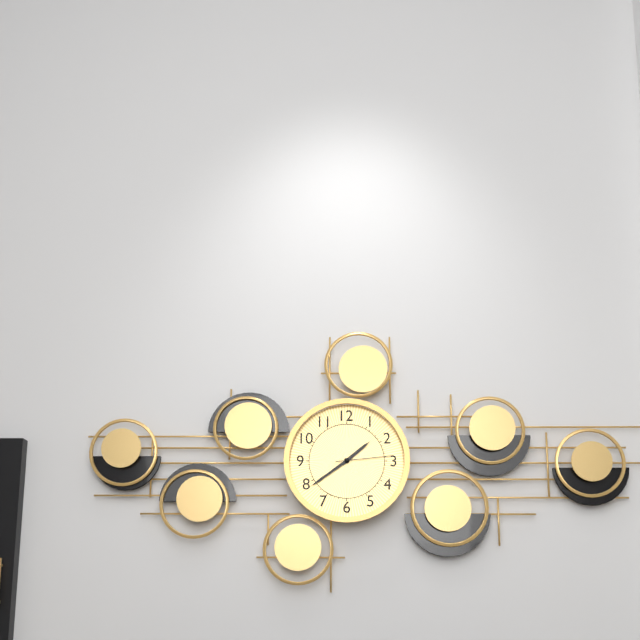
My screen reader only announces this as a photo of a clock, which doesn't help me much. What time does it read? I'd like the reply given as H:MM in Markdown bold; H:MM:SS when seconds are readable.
**1:39:14**
